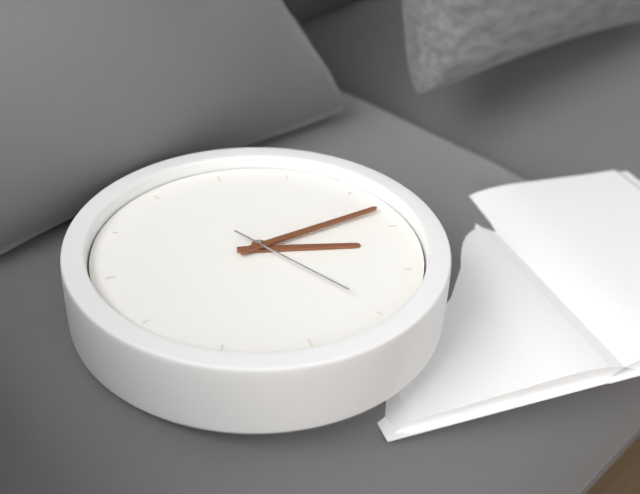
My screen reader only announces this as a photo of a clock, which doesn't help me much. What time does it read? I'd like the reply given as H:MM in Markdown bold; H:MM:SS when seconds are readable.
**6:28:40**
